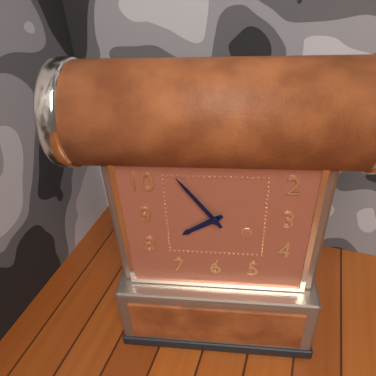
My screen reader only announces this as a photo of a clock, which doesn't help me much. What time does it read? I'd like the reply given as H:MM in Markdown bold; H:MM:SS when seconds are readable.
**7:54**
